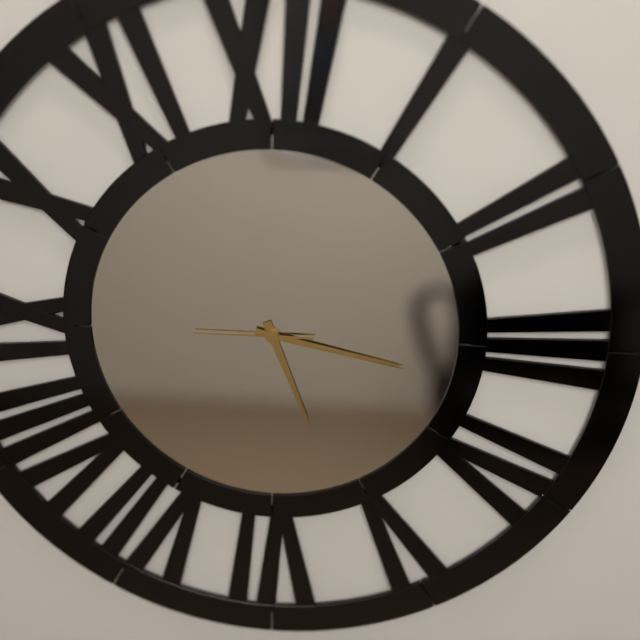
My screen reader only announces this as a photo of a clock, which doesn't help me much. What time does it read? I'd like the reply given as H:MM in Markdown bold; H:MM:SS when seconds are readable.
**5:17:45**
